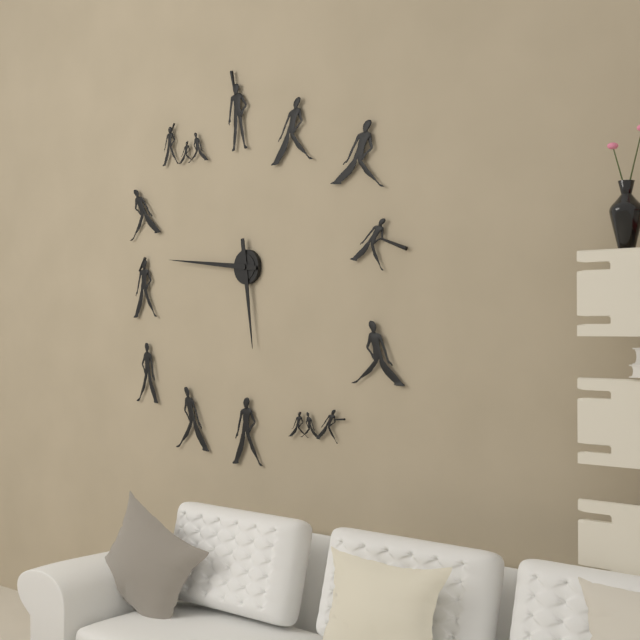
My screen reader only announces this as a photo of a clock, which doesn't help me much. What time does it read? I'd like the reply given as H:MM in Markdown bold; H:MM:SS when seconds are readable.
**5:46**
